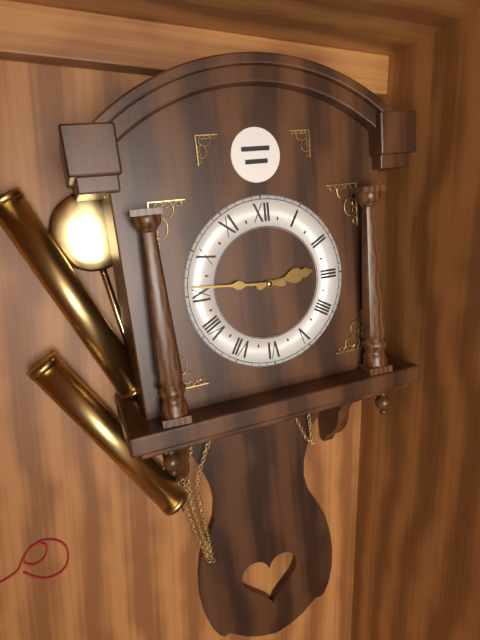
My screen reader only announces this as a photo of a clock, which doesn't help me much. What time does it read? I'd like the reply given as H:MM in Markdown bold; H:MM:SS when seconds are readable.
**2:46**
